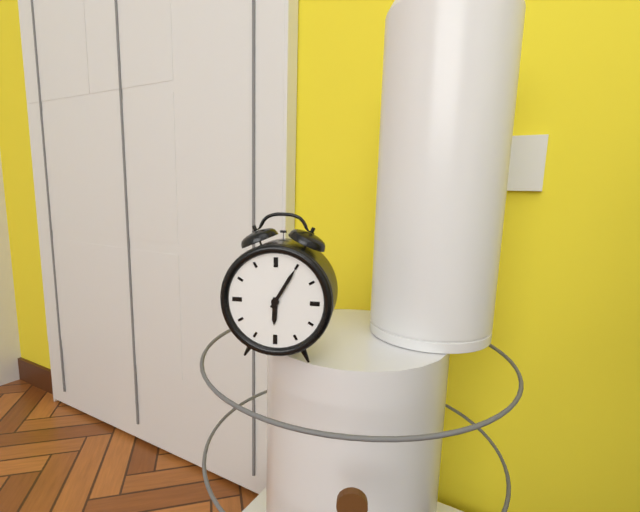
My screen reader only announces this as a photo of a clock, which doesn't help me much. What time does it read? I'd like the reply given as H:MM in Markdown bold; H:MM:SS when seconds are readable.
**6:05**
